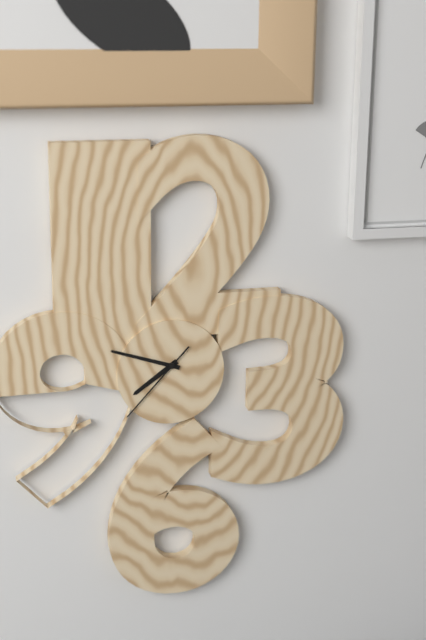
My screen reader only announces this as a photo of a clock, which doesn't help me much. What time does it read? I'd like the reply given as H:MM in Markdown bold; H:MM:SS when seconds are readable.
**7:48:37**
